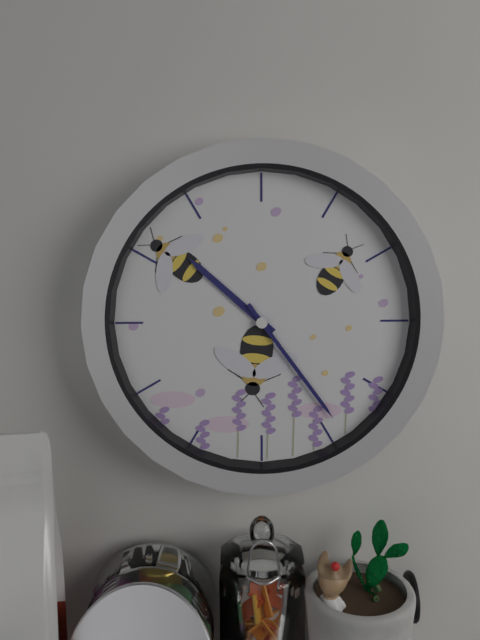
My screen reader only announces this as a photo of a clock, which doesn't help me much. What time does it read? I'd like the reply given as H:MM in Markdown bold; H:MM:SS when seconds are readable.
**10:24**
